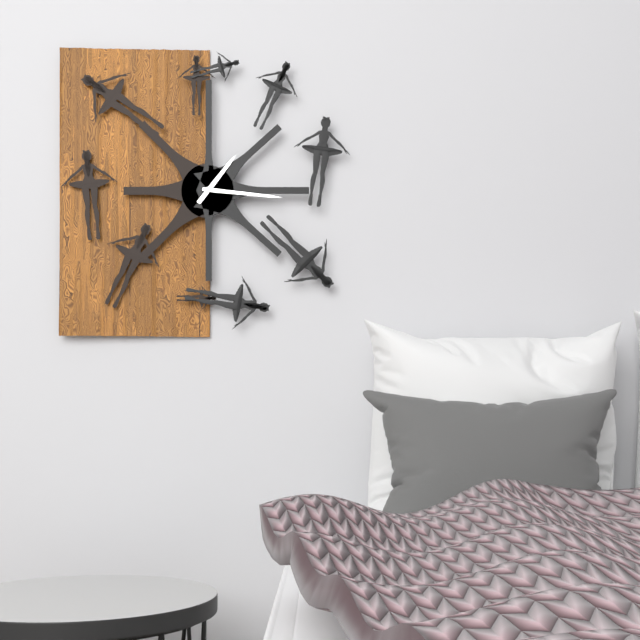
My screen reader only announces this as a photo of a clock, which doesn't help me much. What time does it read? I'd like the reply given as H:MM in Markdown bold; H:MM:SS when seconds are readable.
**1:16**
